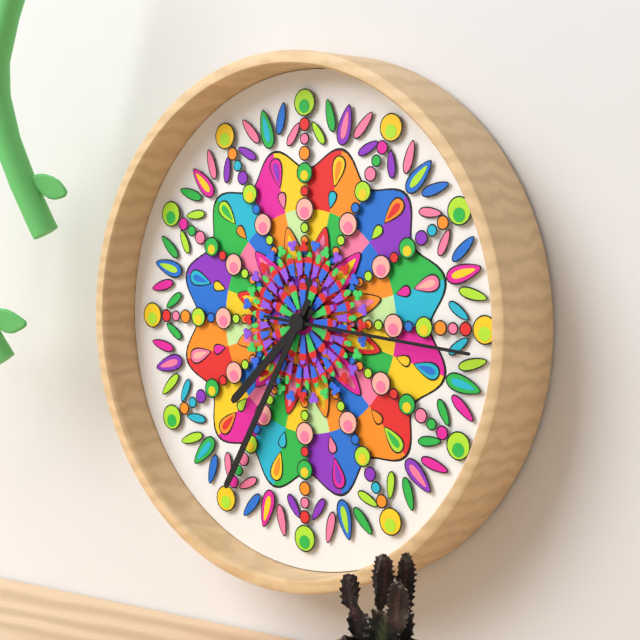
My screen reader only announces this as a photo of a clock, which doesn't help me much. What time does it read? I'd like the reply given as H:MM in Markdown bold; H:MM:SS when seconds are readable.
**7:35:16**
